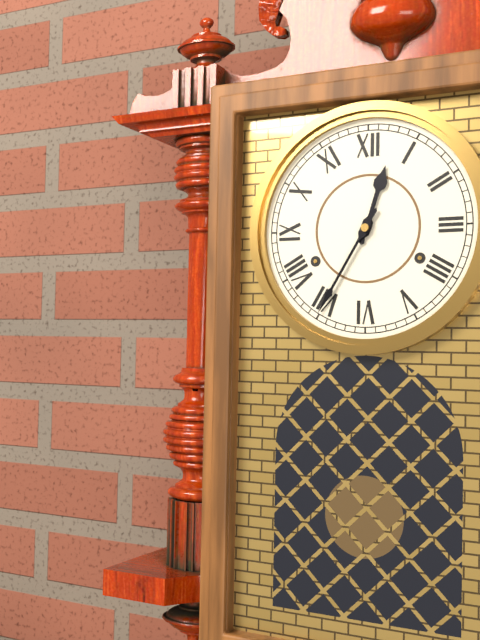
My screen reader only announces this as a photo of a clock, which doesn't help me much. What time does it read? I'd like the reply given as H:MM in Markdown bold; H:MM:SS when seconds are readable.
**12:35**
